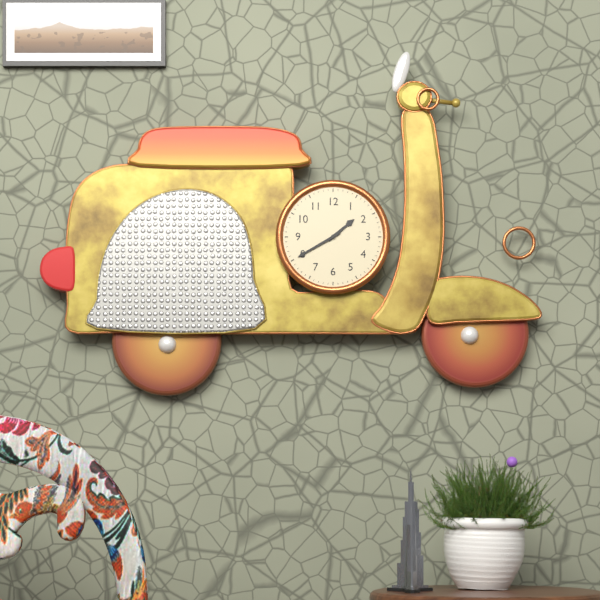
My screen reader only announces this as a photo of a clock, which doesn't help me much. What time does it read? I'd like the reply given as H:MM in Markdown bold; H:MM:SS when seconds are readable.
**1:40**
